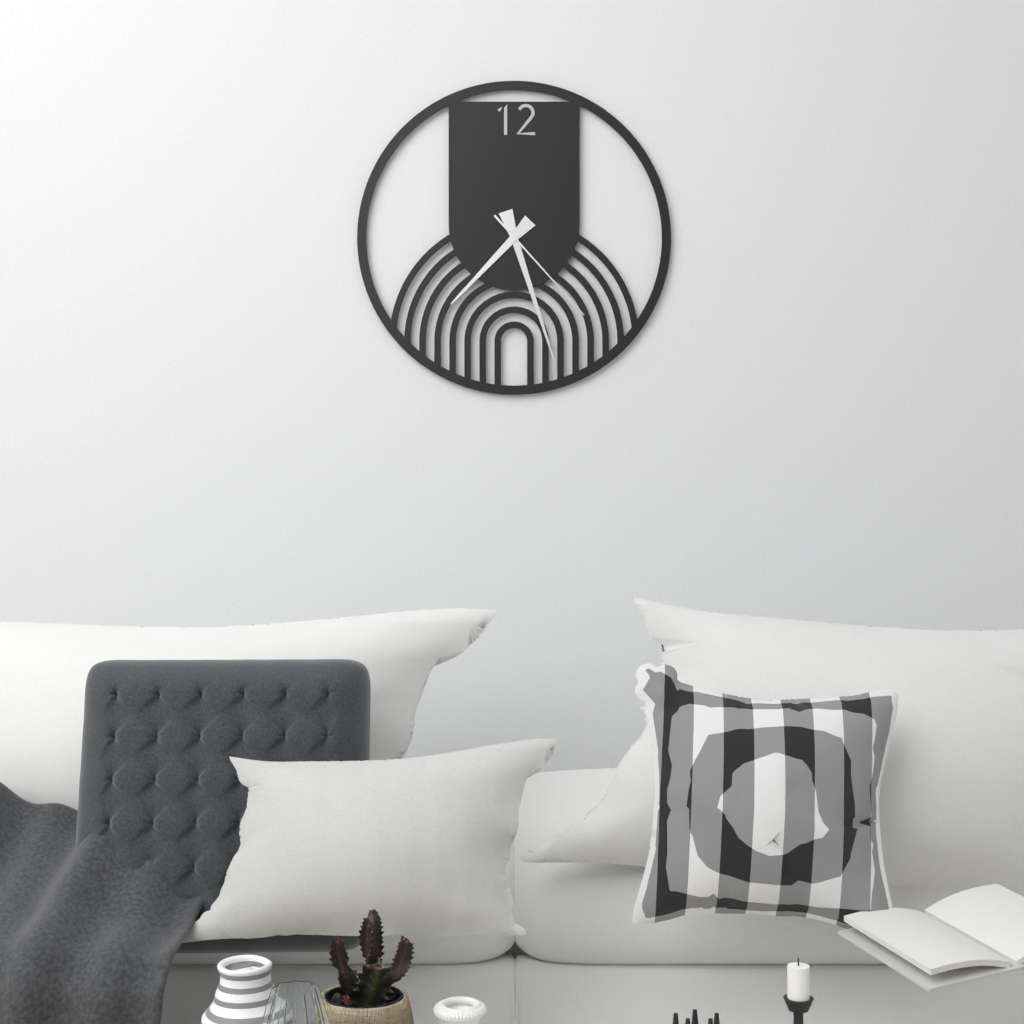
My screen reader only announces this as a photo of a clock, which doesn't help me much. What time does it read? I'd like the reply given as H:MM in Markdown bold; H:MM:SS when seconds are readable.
**7:27:23**
